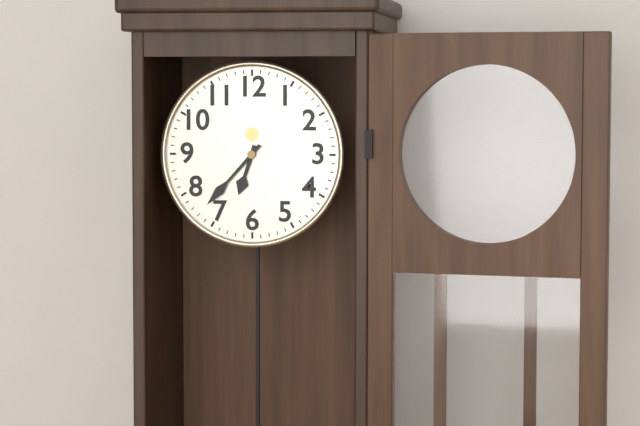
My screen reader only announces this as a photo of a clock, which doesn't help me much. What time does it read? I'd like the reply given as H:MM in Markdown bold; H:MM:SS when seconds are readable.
**6:37**
